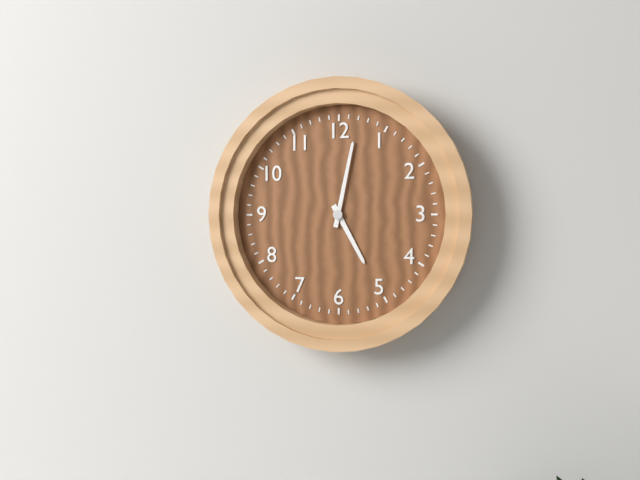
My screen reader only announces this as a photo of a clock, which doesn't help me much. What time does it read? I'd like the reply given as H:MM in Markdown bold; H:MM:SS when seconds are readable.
**5:02**
